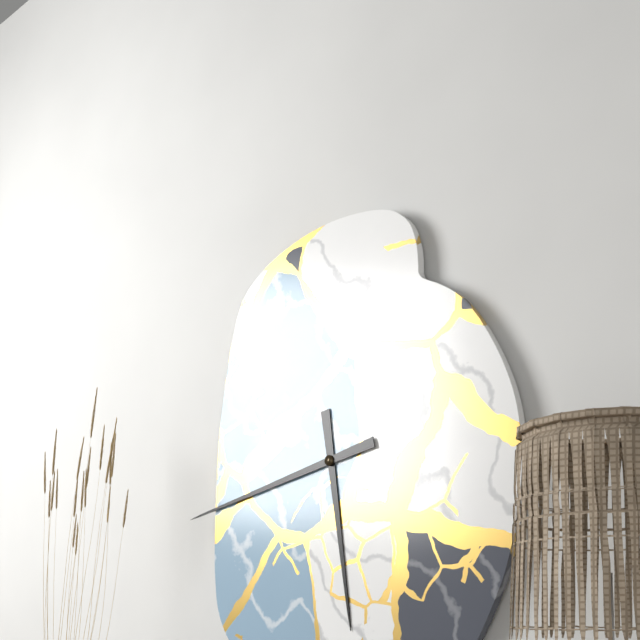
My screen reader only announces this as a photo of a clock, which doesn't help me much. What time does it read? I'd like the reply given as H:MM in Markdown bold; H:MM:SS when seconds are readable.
**5:43**
